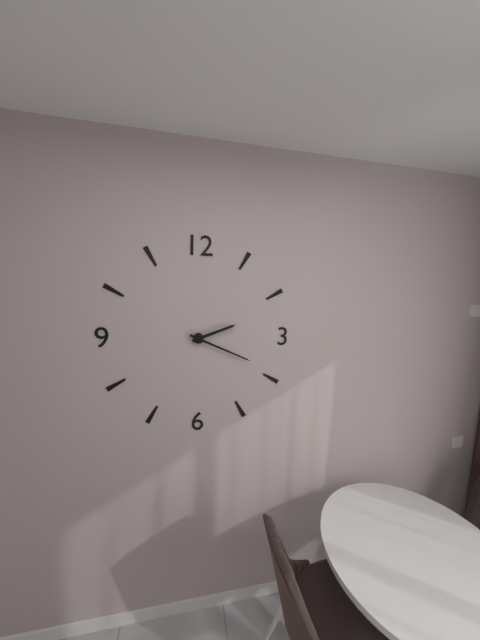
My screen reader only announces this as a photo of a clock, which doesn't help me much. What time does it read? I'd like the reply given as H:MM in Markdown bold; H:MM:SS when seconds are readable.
**2:19**
